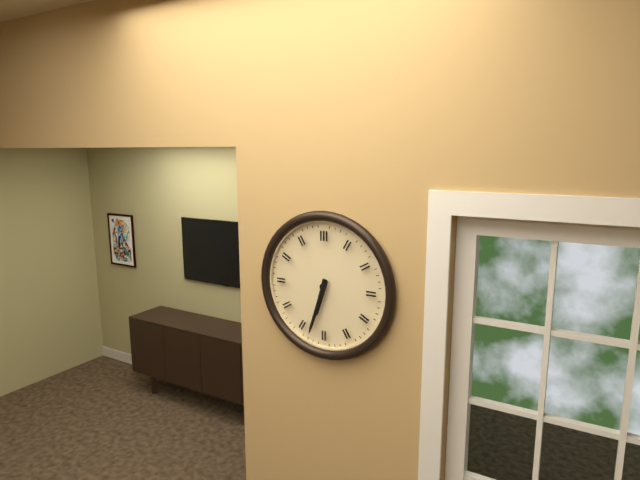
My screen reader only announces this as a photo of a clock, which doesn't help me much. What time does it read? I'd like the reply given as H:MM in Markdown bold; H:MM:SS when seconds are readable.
**6:33**
